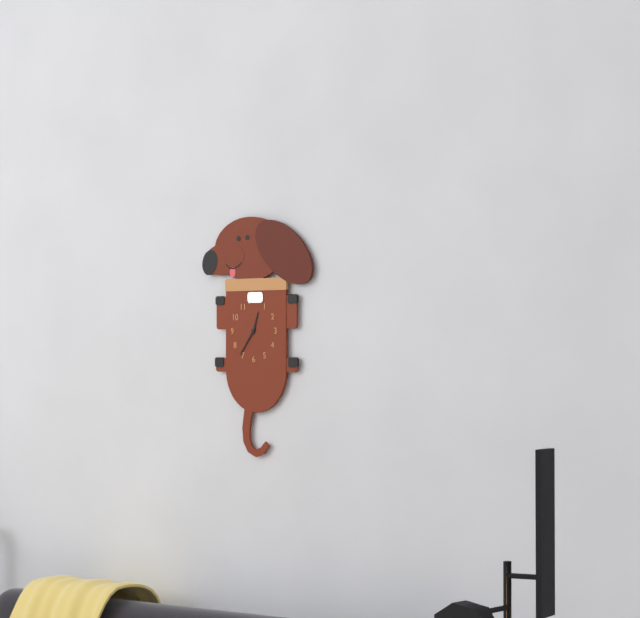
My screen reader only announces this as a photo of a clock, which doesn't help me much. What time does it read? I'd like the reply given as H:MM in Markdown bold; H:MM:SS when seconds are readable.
**12:36**
